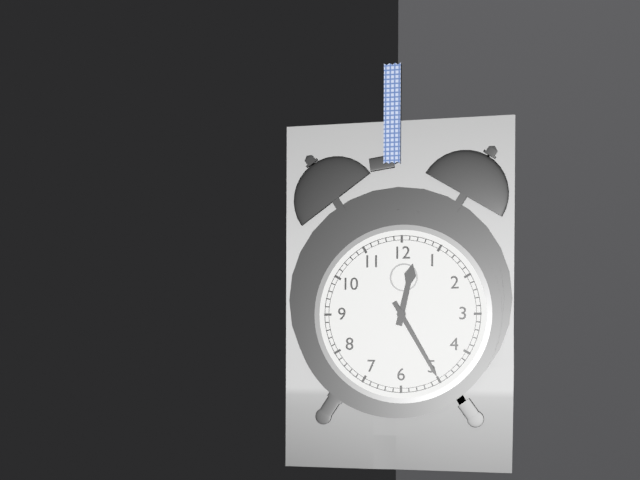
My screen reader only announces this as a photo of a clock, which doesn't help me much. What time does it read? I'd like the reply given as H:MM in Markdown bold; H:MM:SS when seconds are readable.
**12:25**
